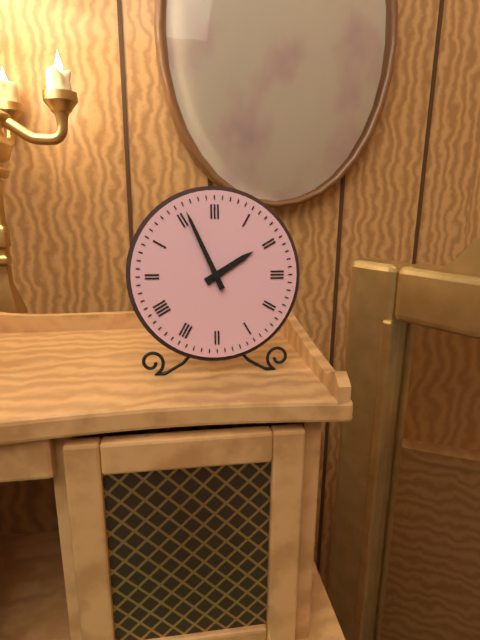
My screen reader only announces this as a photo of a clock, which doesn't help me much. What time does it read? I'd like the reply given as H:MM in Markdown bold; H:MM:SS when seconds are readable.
**1:56**
